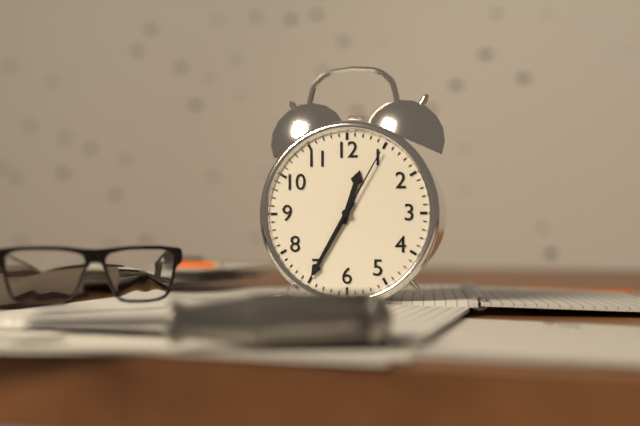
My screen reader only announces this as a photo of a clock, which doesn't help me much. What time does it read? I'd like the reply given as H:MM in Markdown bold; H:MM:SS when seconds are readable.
**12:35:05**
